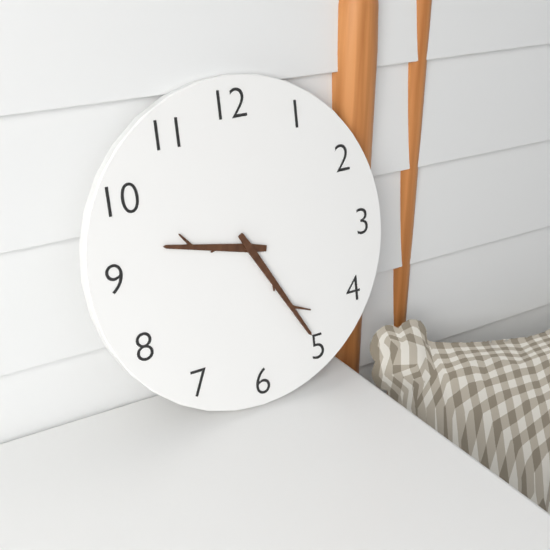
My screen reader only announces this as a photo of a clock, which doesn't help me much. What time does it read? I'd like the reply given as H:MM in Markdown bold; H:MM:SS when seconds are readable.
**9:25**
